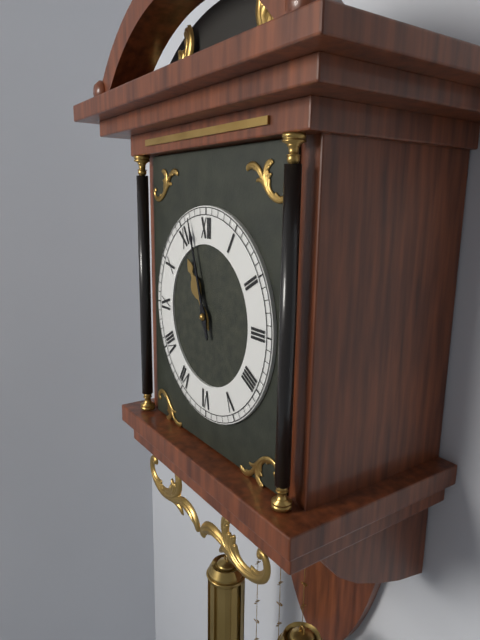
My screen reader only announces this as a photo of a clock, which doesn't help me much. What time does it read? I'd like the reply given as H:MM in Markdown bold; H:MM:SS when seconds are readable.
**10:57**
